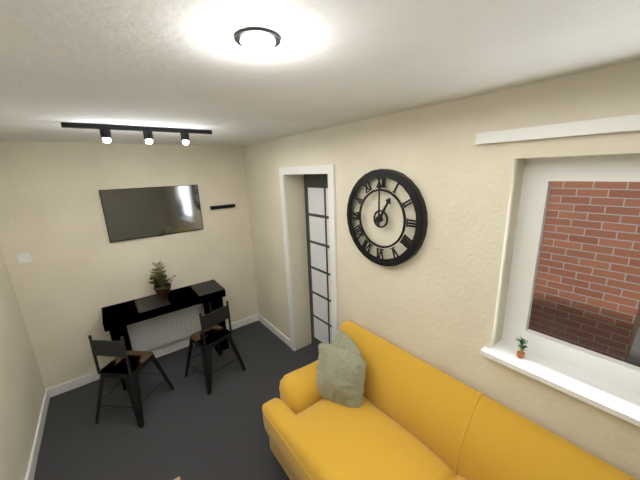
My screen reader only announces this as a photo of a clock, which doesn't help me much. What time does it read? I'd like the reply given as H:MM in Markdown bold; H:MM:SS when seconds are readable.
**1:00**
